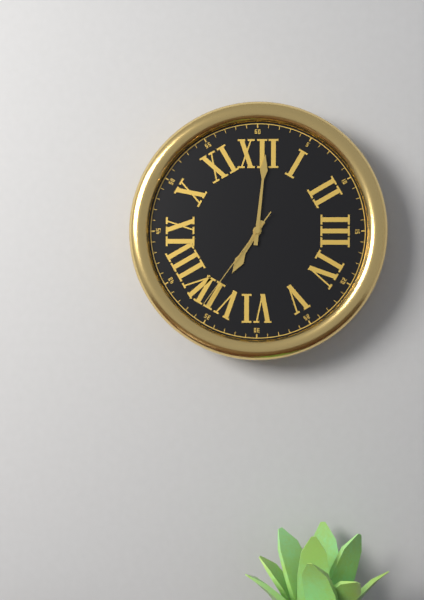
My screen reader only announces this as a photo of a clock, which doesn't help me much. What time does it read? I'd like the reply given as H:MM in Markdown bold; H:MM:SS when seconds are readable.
**7:01:36**
